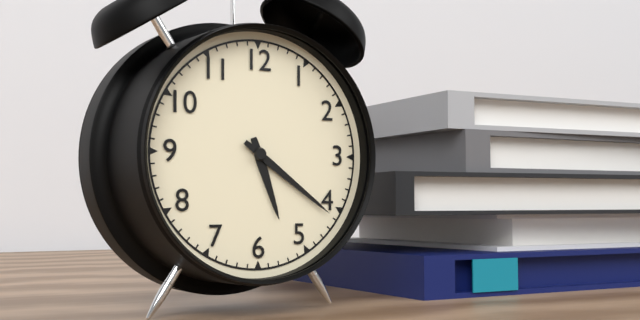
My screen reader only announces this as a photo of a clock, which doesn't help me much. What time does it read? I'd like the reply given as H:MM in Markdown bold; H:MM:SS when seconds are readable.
**5:21**
